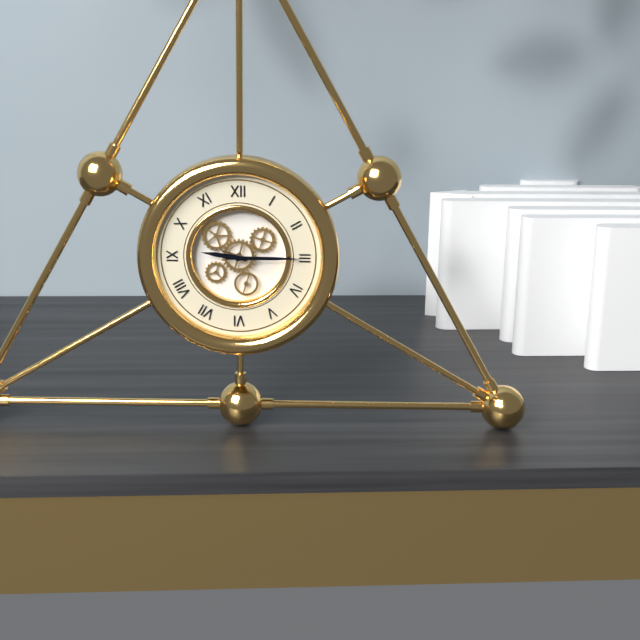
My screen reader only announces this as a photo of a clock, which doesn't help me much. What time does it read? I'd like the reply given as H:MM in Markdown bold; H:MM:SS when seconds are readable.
**9:15**
